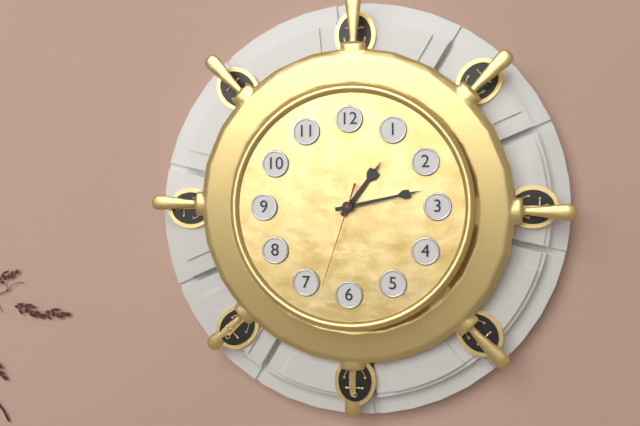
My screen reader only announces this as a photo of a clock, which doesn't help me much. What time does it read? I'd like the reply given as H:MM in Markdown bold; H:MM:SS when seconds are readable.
**1:13:33**
